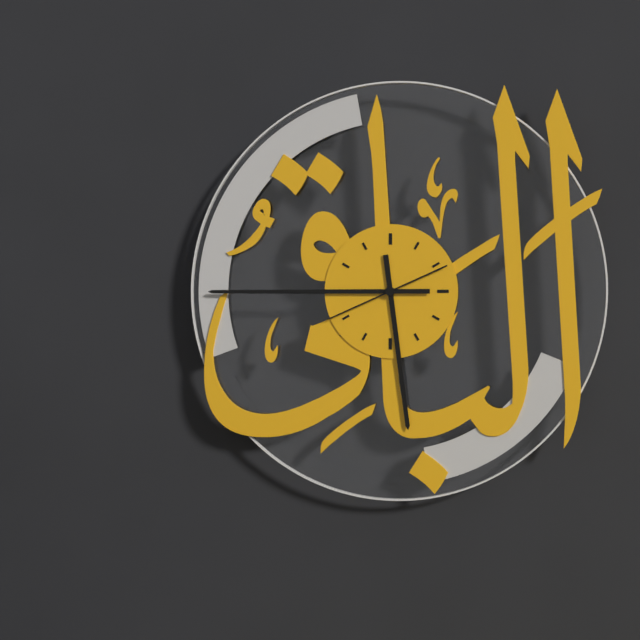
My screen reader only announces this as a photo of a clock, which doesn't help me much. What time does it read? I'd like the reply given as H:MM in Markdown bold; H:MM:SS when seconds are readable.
**5:45:41**
